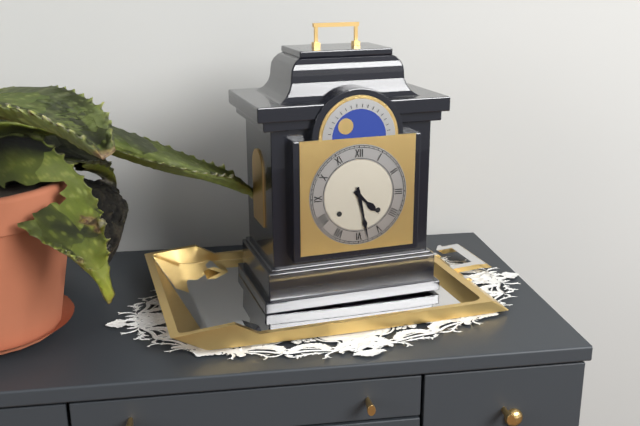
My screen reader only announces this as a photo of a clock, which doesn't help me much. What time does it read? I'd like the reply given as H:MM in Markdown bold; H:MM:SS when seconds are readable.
**4:28**
